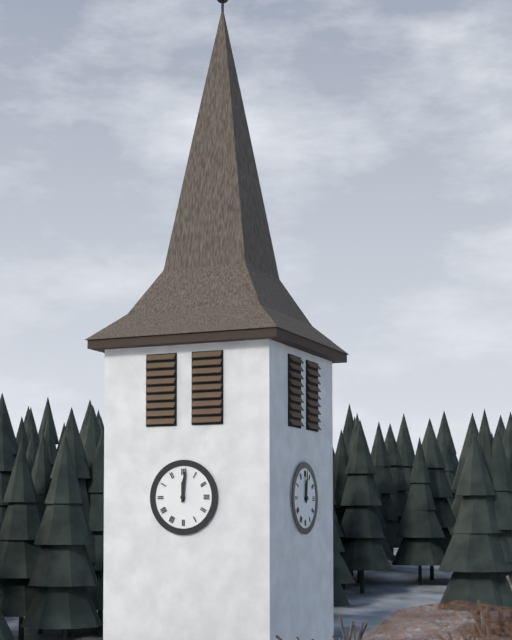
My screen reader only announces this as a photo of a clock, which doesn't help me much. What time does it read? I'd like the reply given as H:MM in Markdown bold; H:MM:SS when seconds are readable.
**12:01**
